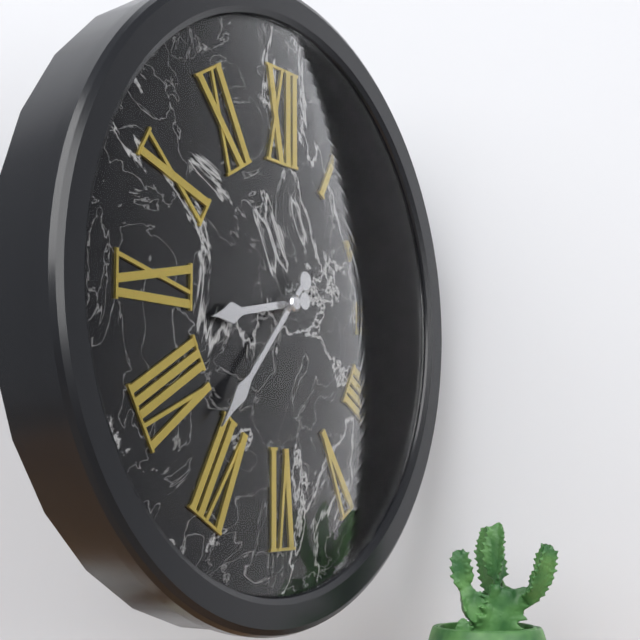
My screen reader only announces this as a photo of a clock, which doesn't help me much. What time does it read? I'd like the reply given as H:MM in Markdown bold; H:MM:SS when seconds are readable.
**8:37**
